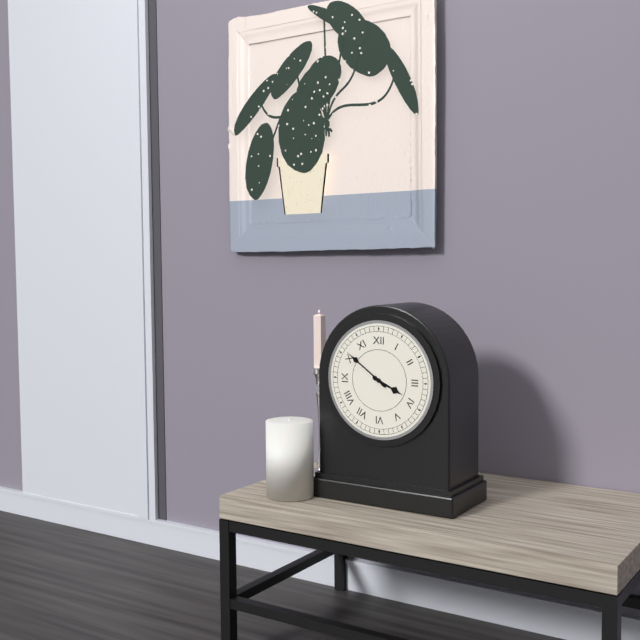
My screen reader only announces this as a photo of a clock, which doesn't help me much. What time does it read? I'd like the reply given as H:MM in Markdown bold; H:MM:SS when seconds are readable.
**3:51**
